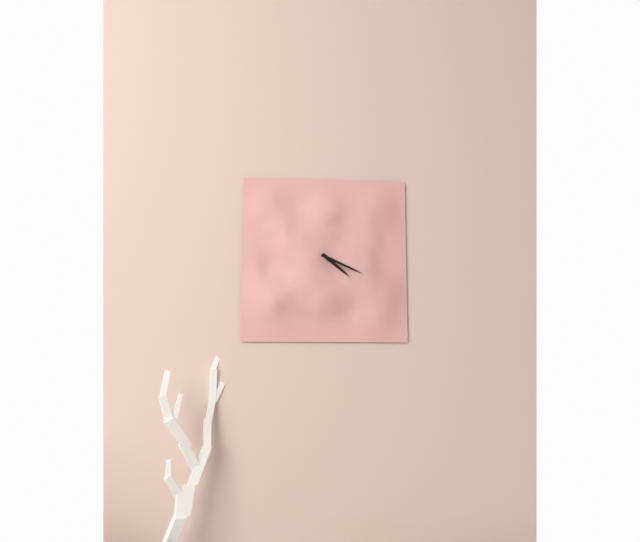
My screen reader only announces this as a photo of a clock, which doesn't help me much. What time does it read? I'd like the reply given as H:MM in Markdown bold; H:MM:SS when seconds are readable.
**4:19**
